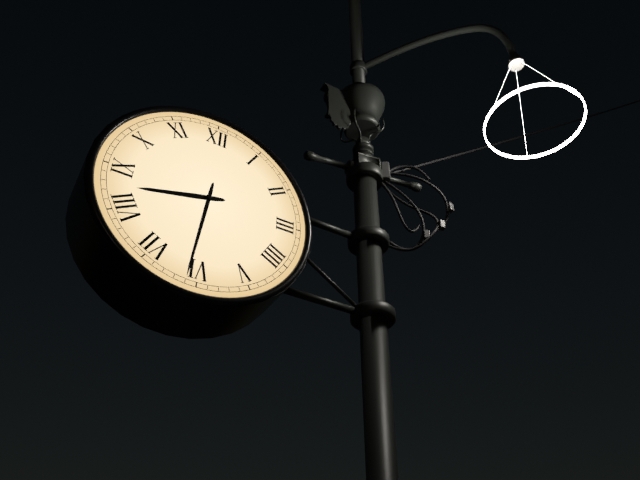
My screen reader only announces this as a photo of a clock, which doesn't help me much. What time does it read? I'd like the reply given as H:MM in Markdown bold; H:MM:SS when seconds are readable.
**8:31**
